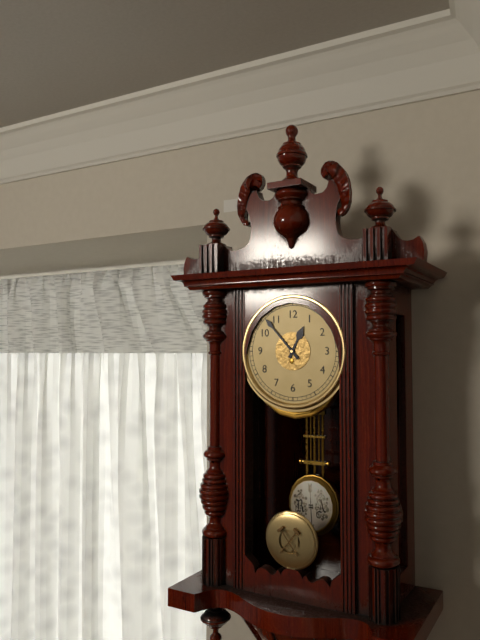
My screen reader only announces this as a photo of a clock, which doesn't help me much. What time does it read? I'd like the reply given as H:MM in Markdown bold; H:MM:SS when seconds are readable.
**12:53**
